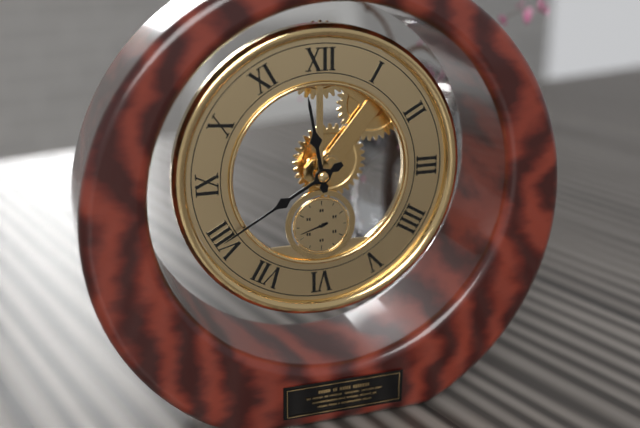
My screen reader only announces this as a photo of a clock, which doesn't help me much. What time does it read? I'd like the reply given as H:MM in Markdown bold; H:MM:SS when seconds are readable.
**11:40**
